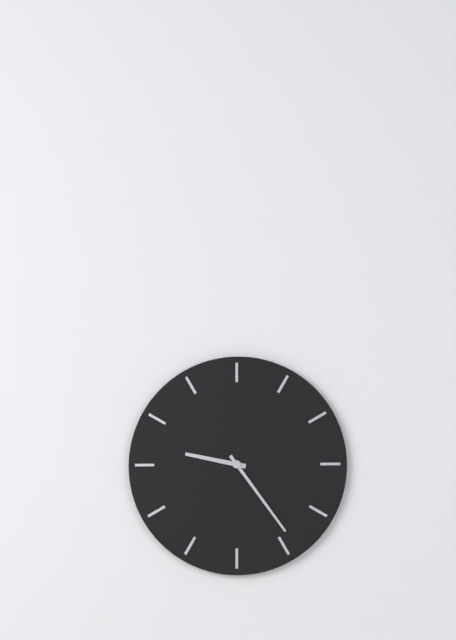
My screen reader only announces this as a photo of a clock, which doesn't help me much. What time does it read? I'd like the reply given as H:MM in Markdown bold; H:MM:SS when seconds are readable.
**9:24**
